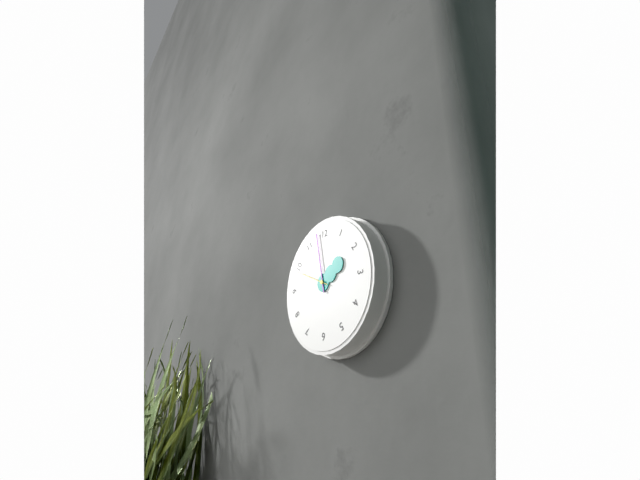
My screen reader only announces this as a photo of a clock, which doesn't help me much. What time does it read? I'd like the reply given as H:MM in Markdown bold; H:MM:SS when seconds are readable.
**1:58:49**
